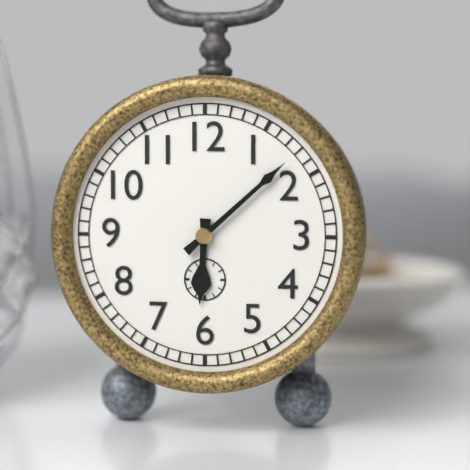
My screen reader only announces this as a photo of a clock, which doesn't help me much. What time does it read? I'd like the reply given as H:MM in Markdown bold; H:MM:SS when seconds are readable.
**6:08**
